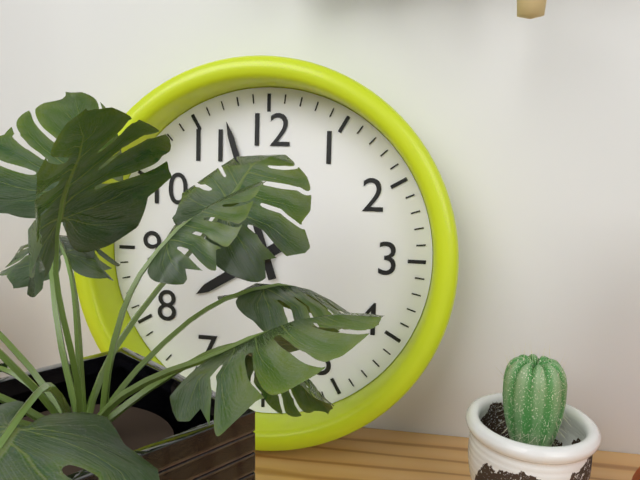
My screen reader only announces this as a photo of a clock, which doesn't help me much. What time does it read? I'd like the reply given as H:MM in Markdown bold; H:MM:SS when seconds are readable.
**7:57**
